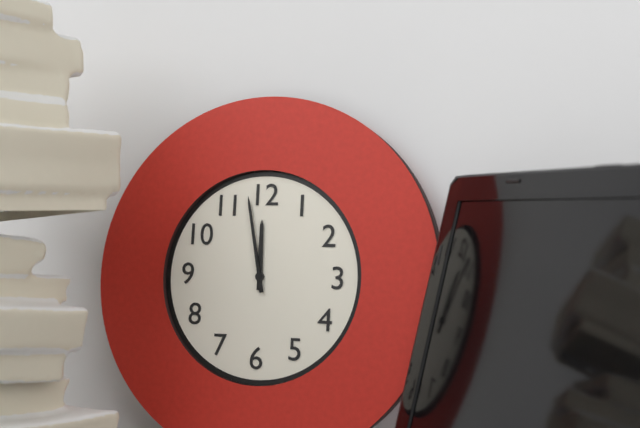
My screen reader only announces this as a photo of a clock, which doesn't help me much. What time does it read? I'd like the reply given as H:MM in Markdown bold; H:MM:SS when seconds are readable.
**11:58**
